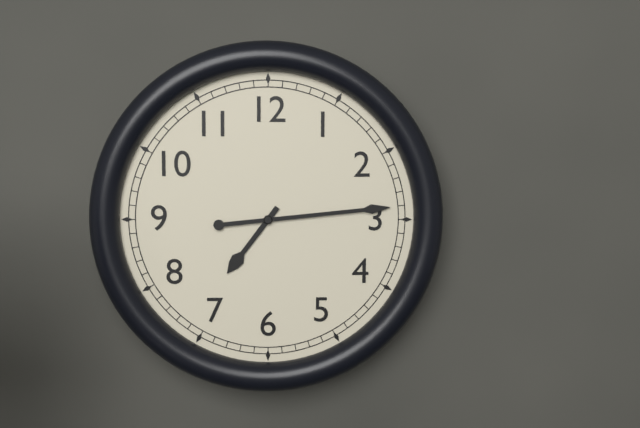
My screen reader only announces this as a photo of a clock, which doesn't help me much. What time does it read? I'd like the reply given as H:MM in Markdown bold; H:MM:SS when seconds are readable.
**7:14**
